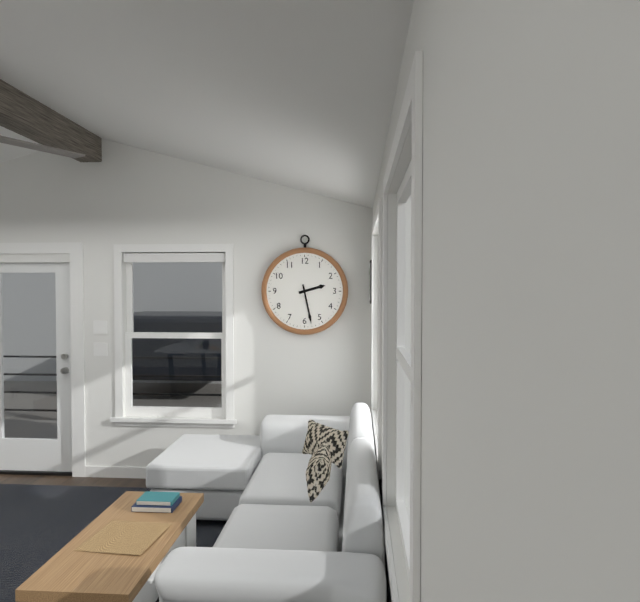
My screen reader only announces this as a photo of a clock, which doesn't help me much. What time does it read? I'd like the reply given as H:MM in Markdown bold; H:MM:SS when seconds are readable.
**2:28**
